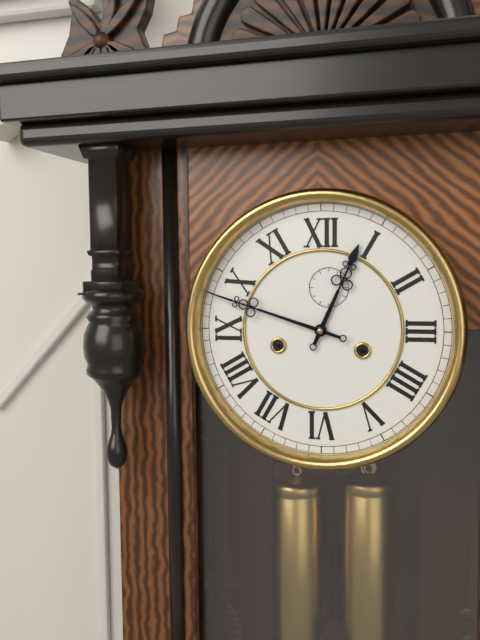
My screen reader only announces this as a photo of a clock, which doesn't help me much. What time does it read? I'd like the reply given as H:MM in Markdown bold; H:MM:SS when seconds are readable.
**12:48**
